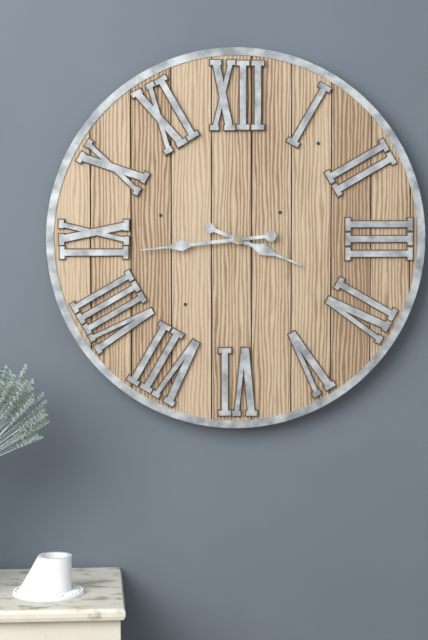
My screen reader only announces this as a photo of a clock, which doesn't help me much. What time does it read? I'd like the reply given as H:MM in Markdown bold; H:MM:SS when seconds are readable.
**3:44**
